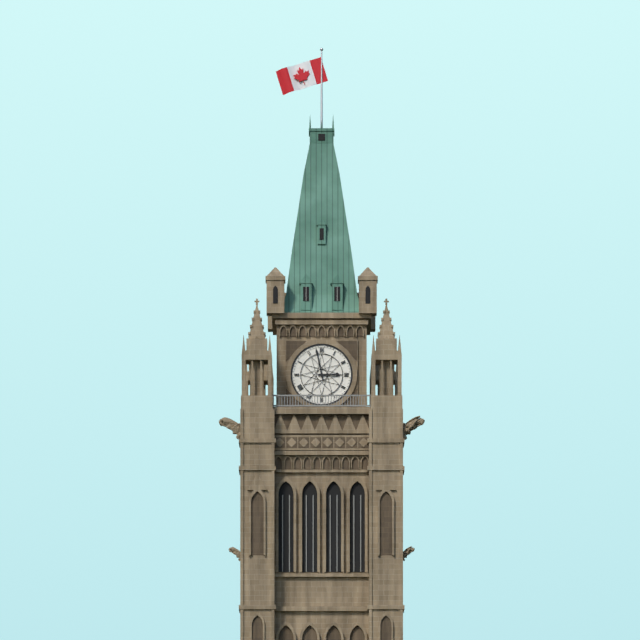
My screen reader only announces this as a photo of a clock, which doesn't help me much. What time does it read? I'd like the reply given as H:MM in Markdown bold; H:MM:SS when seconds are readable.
**2:58**
